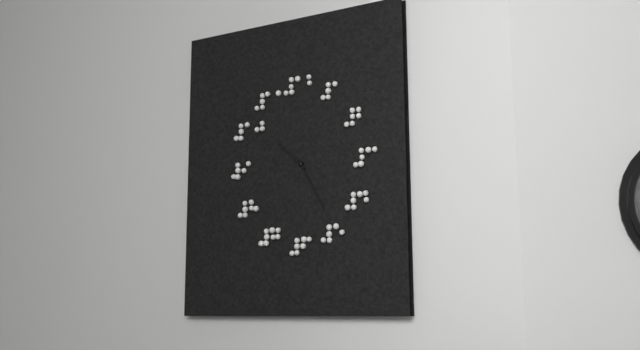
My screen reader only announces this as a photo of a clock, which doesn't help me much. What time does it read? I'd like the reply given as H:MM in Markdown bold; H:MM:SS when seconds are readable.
**10:25**
